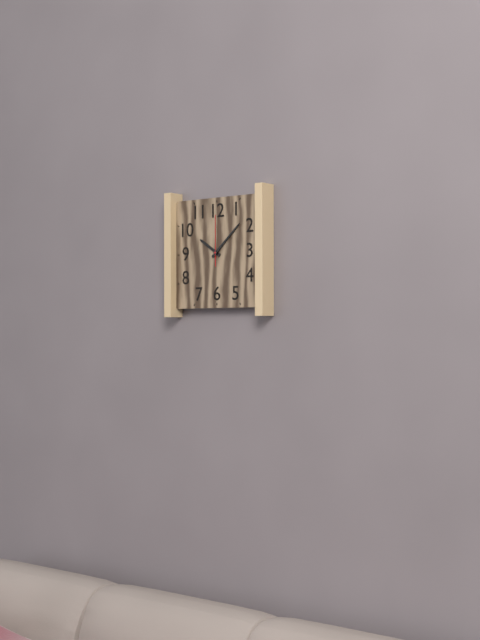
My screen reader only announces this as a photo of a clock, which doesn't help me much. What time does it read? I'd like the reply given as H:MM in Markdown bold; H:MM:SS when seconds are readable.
**10:08**
